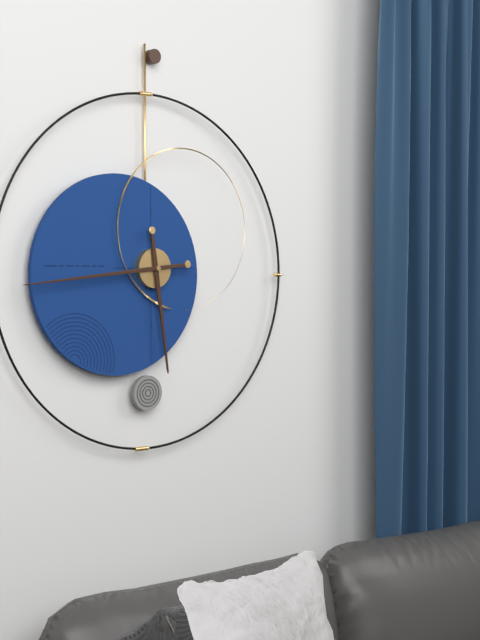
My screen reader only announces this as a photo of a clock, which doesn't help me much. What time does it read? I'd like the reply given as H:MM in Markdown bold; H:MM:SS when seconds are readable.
**5:44**
